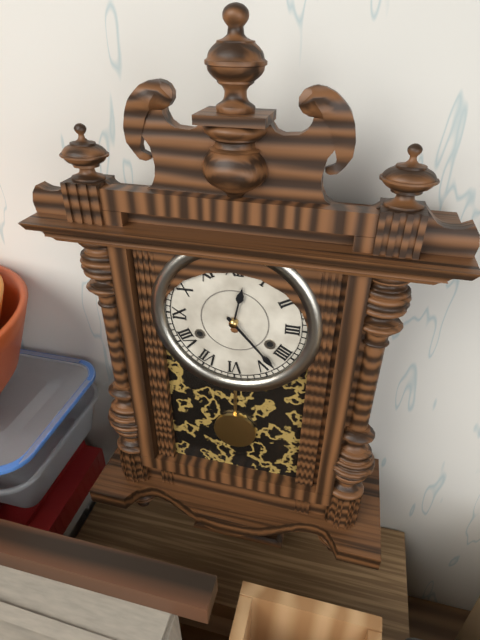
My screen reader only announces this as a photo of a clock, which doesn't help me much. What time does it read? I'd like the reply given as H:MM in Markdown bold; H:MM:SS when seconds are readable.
**12:23**
